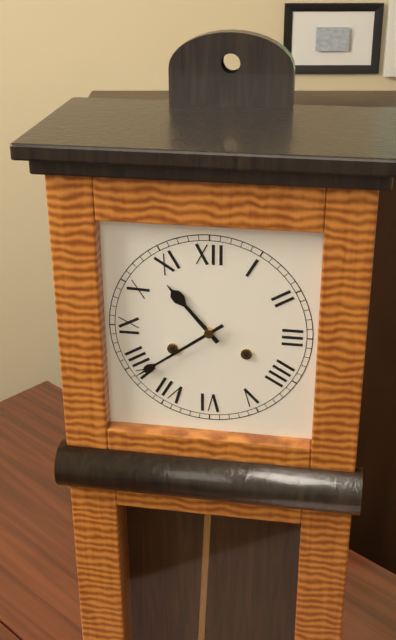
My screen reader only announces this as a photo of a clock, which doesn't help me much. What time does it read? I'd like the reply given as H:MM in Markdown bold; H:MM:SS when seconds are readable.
**10:39**
